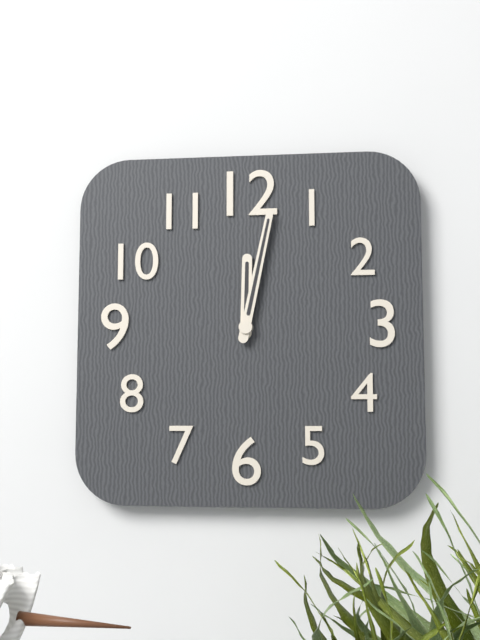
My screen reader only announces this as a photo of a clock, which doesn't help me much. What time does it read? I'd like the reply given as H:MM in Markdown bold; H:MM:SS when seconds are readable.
**12:02**
